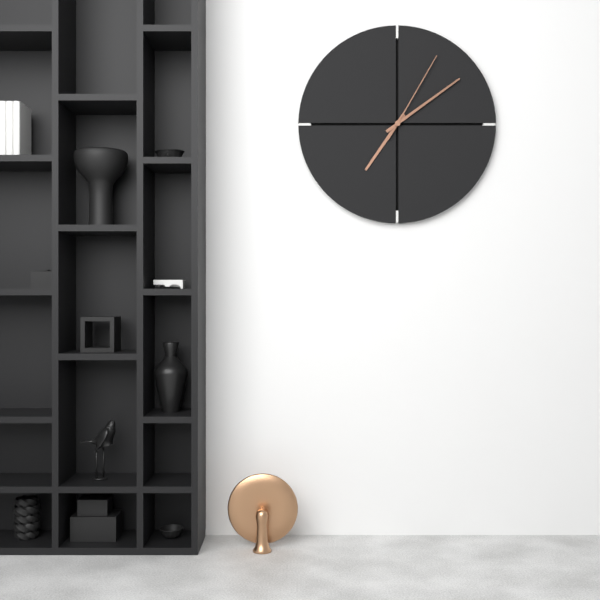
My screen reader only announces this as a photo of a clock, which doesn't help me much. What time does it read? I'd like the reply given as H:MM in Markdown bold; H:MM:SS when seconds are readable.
**7:09:05**
